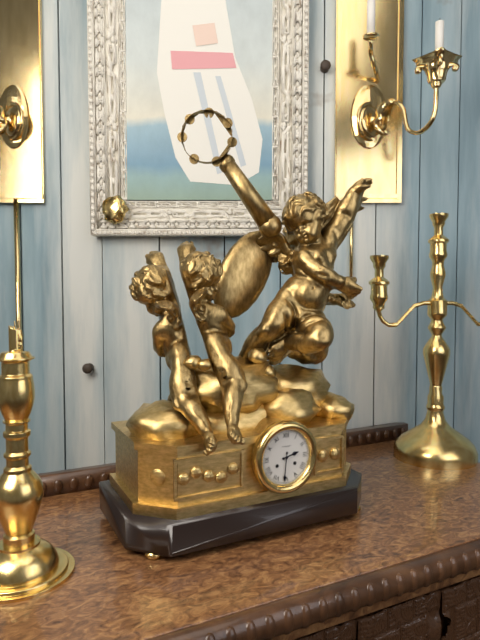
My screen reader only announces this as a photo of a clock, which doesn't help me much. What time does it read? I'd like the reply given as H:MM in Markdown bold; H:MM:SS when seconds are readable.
**2:31**
